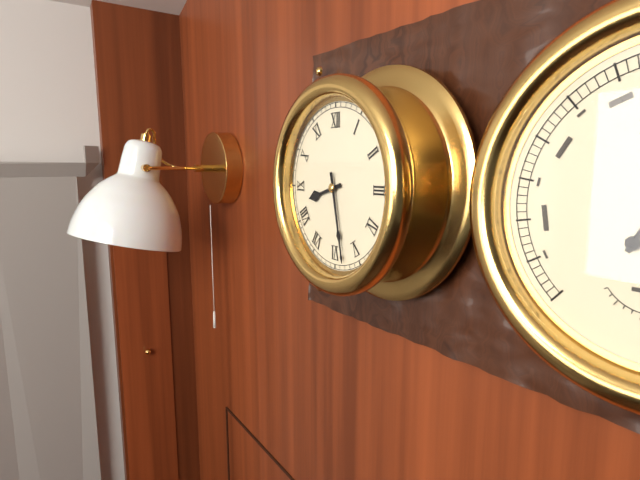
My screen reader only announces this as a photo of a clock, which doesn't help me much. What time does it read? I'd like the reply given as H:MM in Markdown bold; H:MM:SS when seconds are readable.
**8:28**
